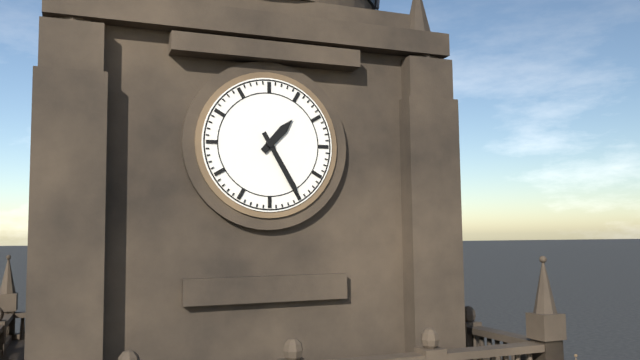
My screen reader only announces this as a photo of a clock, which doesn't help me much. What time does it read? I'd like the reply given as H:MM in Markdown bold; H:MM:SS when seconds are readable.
**1:25**
